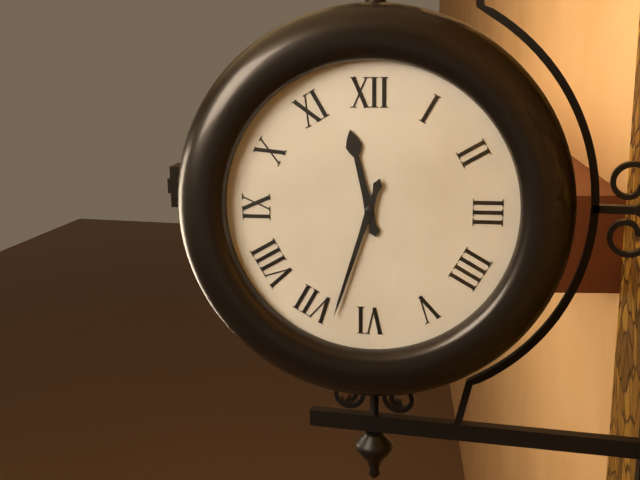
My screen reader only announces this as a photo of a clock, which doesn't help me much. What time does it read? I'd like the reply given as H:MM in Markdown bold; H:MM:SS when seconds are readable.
**11:33**
